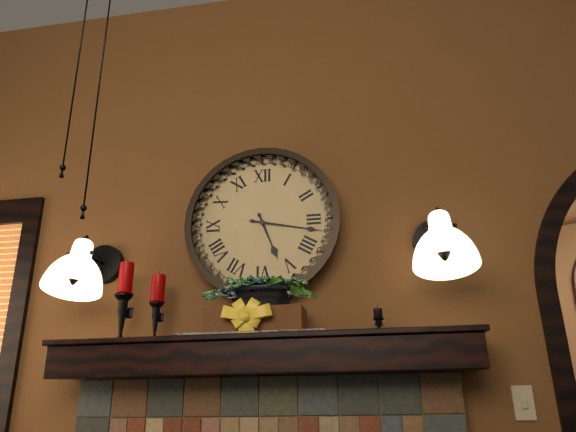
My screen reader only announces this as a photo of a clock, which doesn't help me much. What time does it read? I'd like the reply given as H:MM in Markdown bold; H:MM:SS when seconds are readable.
**5:17**
